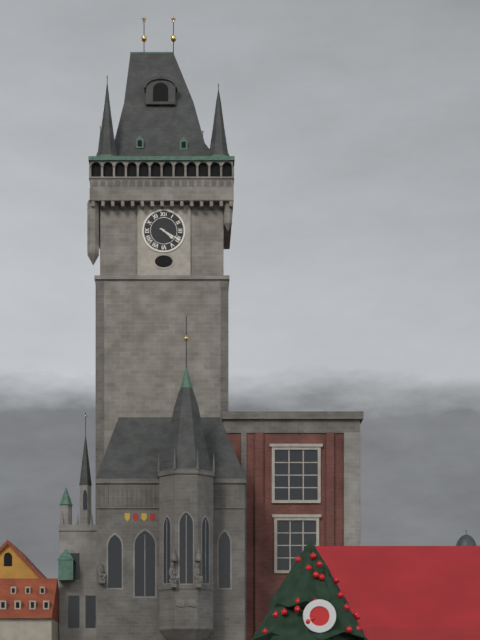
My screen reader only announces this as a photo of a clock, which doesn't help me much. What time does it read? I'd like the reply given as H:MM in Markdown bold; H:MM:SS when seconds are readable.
**4:20**
